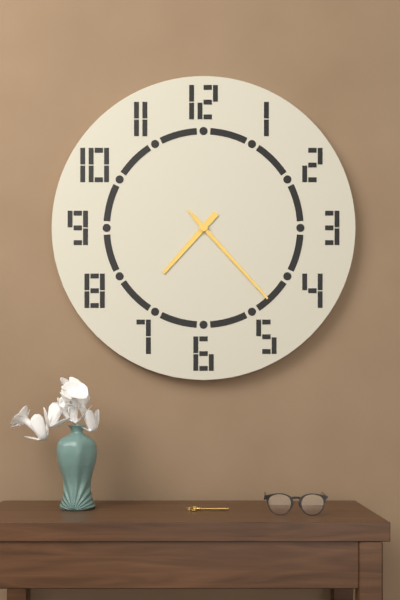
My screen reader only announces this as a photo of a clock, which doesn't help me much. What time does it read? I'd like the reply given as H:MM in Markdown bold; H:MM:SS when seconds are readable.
**7:23:23**
